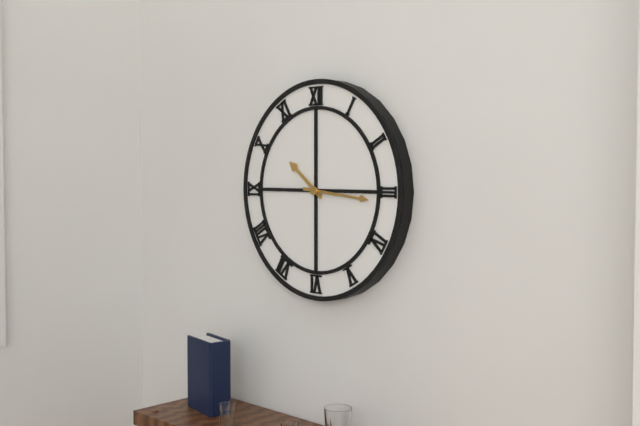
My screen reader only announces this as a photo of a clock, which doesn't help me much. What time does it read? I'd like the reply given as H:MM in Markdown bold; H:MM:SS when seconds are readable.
**10:16**
